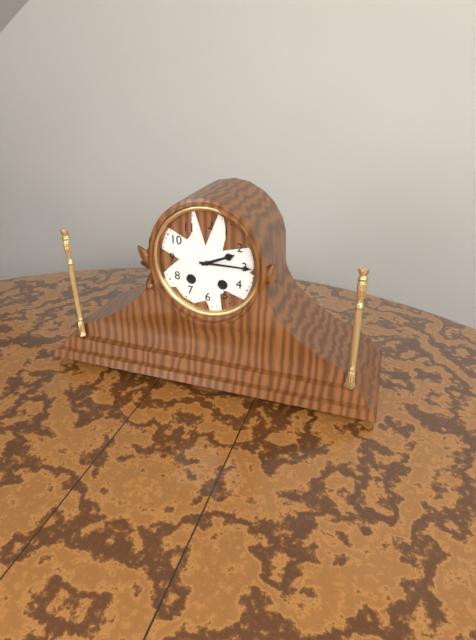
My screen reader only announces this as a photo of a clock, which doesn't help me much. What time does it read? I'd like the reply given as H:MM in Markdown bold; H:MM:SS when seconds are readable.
**2:15**
